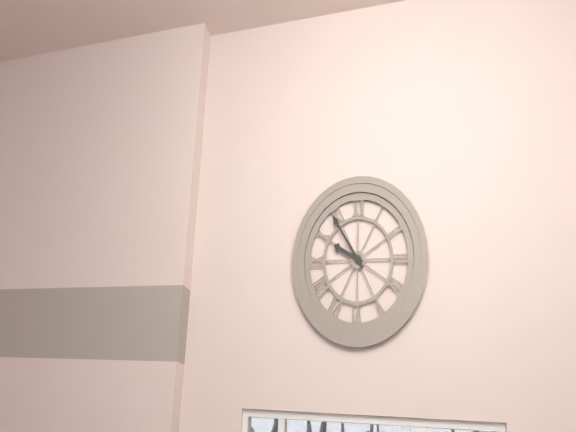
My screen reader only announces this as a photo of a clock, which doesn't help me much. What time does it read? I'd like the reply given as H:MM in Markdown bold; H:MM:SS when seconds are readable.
**9:54**
